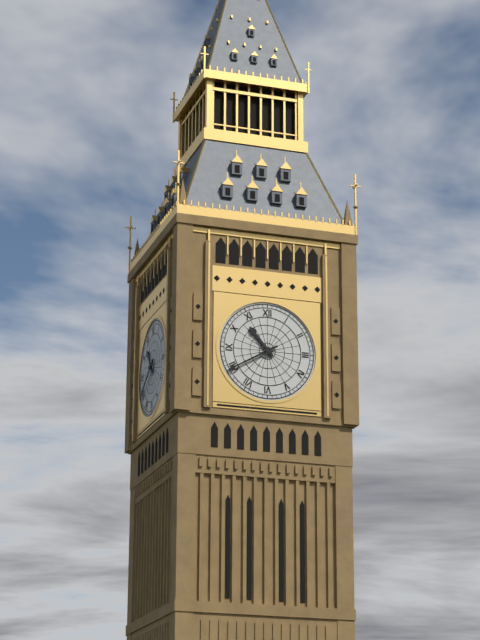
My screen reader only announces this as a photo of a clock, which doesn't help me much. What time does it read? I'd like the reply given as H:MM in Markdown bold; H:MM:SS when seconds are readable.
**10:40**
